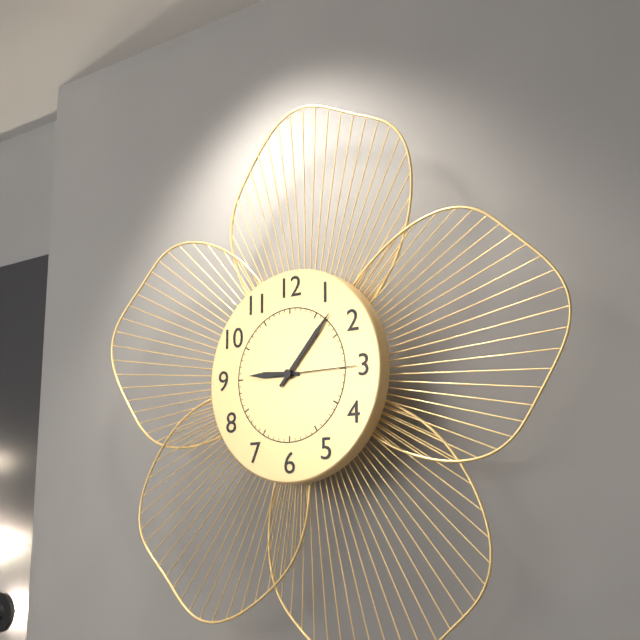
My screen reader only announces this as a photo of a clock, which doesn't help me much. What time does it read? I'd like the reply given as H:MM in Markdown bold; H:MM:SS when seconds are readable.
**9:07:15**
